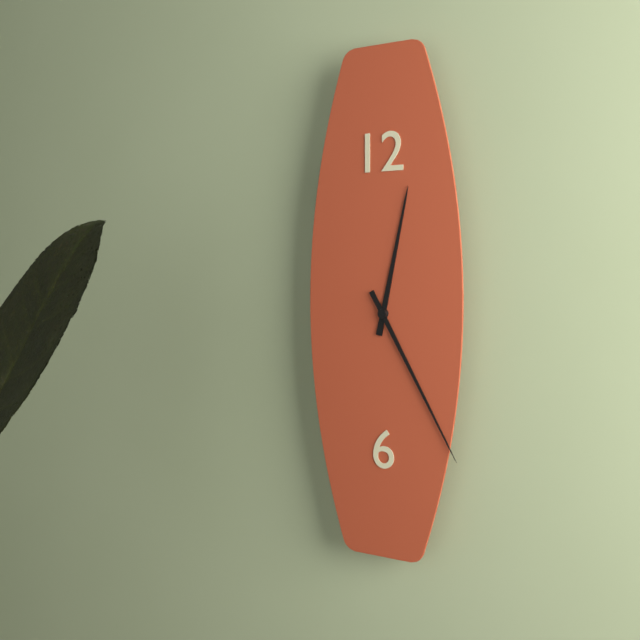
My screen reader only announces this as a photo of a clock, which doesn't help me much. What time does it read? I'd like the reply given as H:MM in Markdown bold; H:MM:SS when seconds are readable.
**12:25**
